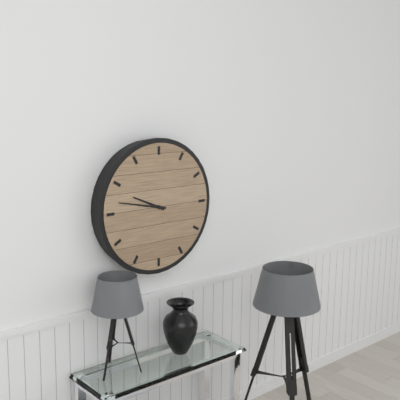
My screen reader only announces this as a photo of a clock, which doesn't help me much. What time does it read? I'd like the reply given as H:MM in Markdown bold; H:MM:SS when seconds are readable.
**9:47**
